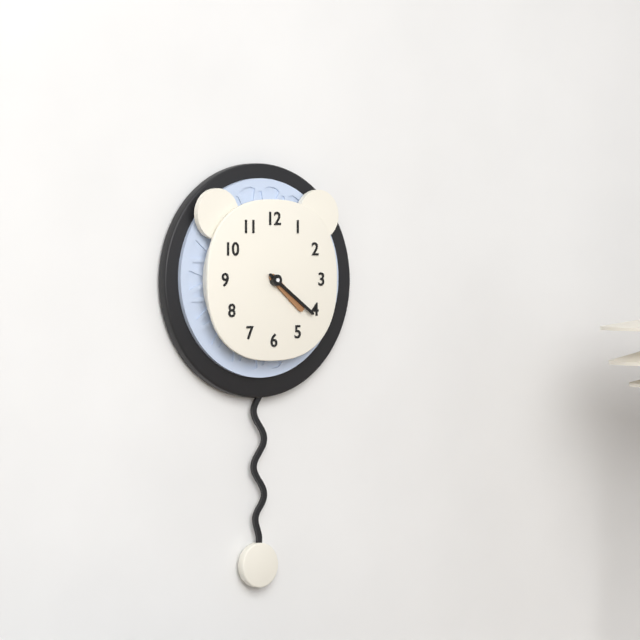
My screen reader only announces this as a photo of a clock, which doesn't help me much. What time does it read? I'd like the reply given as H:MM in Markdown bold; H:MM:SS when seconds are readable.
**4:21**
